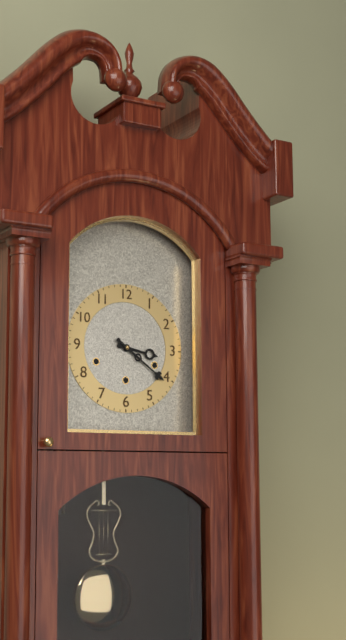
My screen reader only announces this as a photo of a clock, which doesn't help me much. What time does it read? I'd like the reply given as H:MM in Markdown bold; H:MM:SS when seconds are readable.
**3:21**
